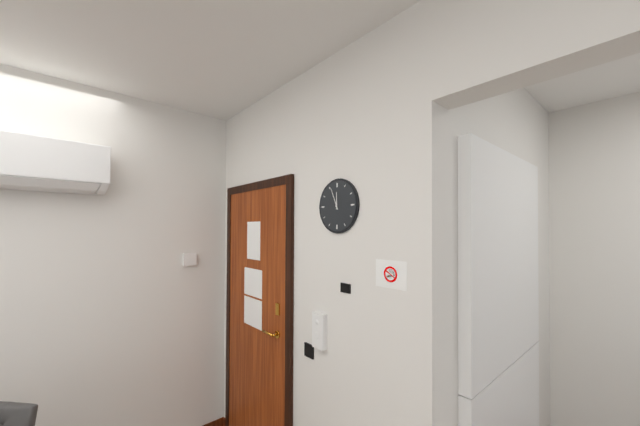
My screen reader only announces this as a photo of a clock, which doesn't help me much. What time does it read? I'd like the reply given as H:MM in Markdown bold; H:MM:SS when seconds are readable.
**11:56**
